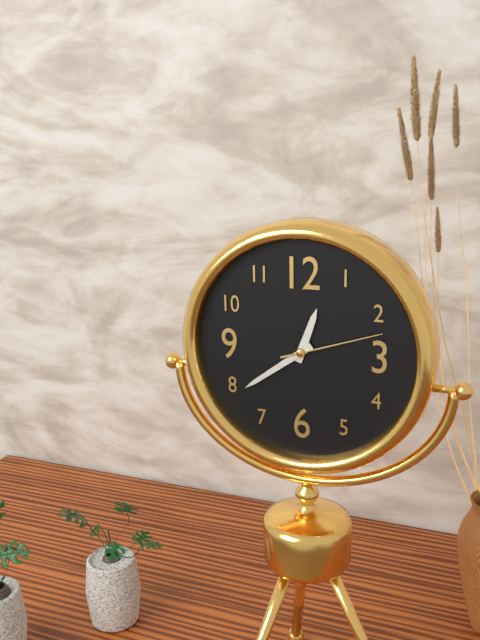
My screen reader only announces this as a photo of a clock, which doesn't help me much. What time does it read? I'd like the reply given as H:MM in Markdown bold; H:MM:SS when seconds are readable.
**12:39:12**
